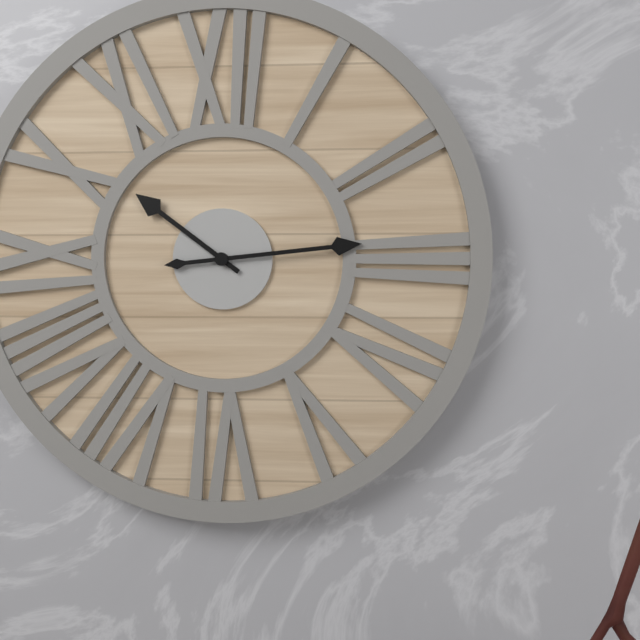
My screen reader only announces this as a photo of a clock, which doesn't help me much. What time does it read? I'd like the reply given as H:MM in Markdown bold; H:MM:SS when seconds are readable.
**10:14**
